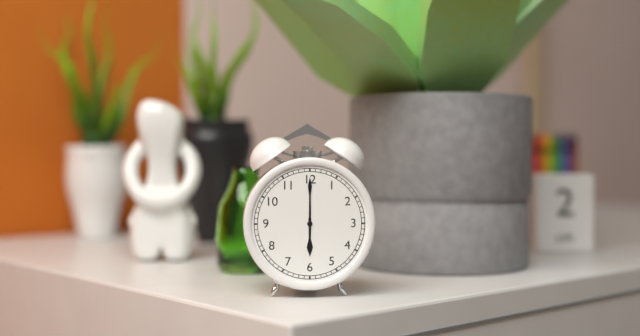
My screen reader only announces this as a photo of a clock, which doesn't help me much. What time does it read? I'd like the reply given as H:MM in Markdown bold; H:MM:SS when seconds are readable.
**6:00**
